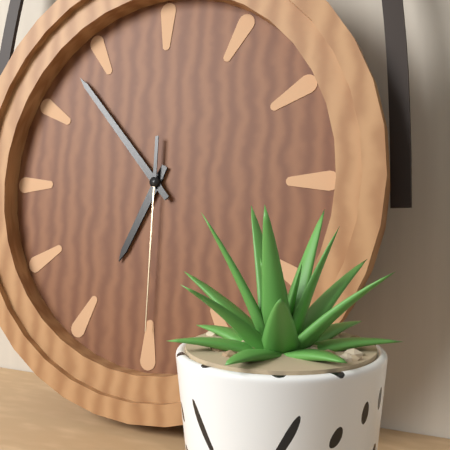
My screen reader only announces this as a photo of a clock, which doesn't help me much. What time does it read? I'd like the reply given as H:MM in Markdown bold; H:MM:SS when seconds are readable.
**6:53:30**
